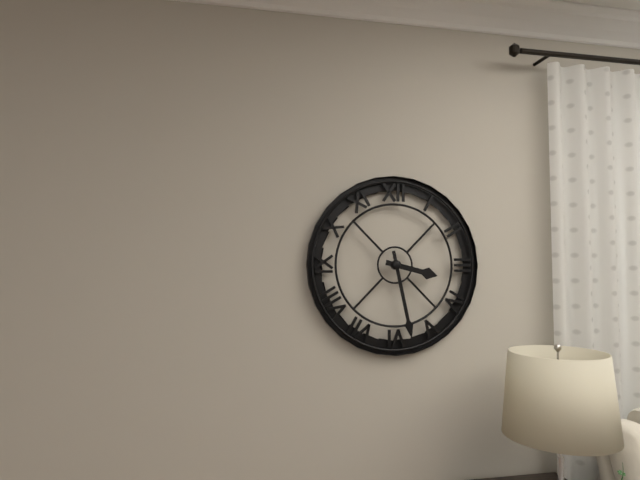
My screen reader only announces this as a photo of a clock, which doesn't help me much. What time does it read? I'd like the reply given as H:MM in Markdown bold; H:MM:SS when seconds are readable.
**3:28**
